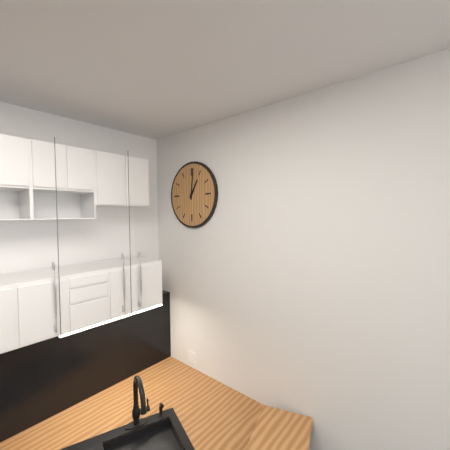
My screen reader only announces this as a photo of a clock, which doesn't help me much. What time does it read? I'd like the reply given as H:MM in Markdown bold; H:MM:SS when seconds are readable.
**1:01**
